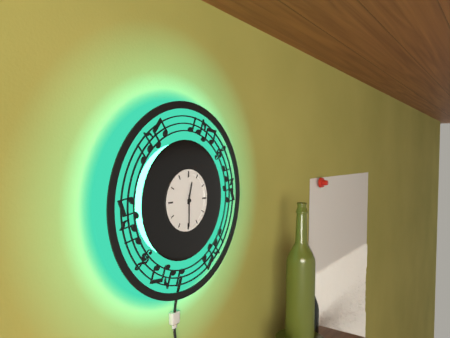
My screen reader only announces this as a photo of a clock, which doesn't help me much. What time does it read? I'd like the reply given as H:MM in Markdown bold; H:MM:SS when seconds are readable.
**12:30**
